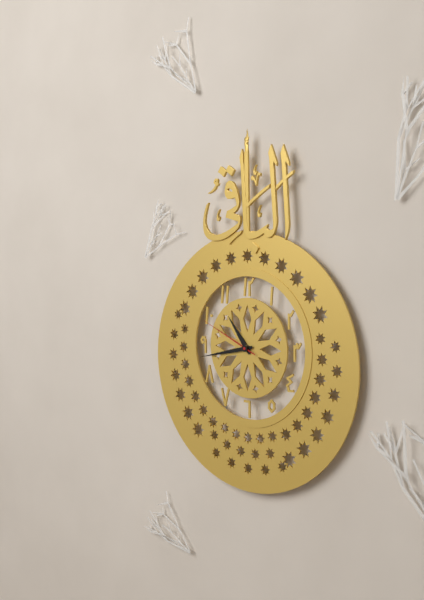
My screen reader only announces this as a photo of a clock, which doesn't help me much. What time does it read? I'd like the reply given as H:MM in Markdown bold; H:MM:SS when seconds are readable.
**10:43:49**
